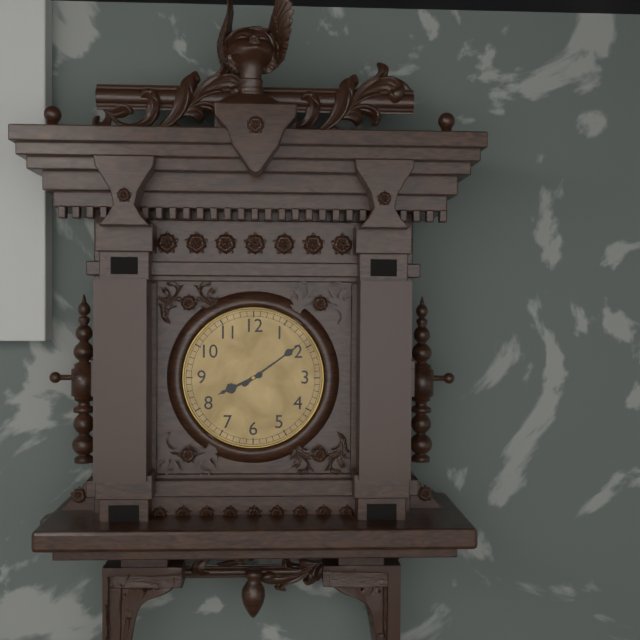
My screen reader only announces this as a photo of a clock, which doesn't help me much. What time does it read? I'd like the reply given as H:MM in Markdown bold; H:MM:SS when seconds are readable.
**8:09**
